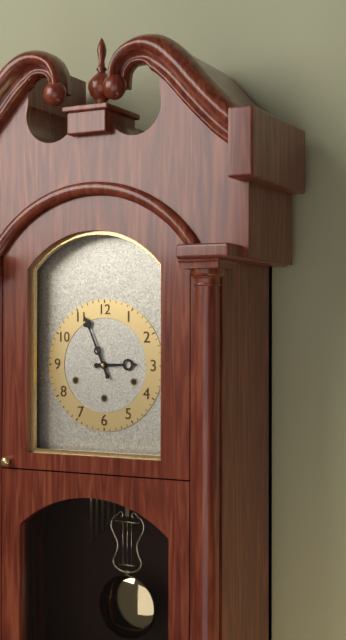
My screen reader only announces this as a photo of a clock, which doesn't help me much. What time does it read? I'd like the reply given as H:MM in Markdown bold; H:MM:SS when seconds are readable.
**2:56**
